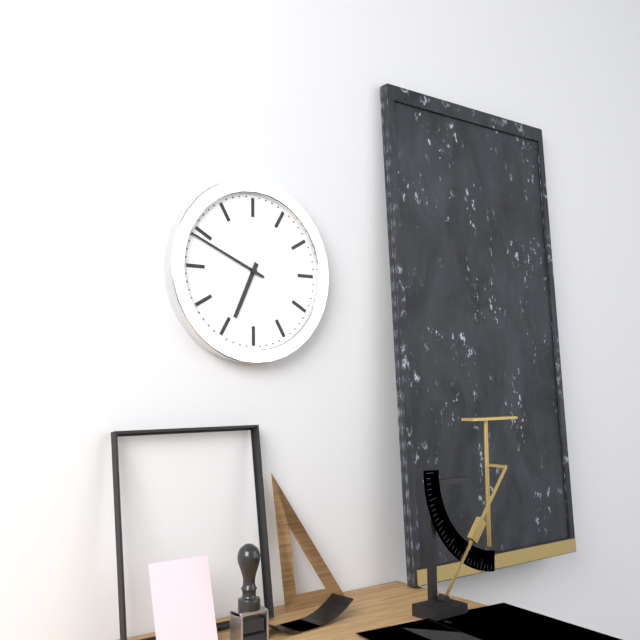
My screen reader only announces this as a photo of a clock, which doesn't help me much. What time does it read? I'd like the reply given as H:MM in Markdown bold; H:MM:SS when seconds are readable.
**6:49**
